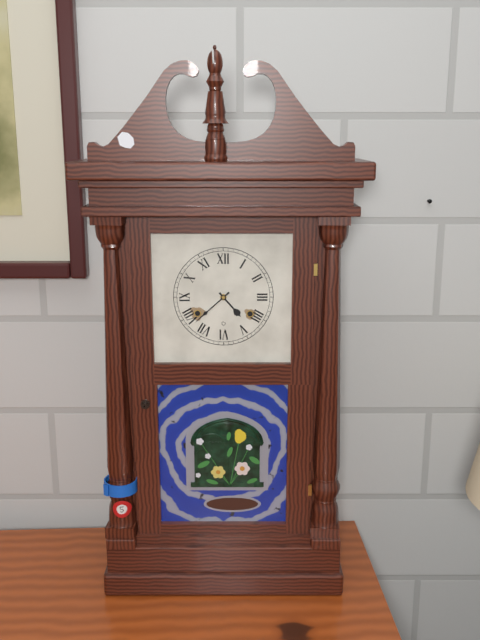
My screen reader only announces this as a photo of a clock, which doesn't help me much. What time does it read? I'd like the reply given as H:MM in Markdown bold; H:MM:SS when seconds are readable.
**4:38**
